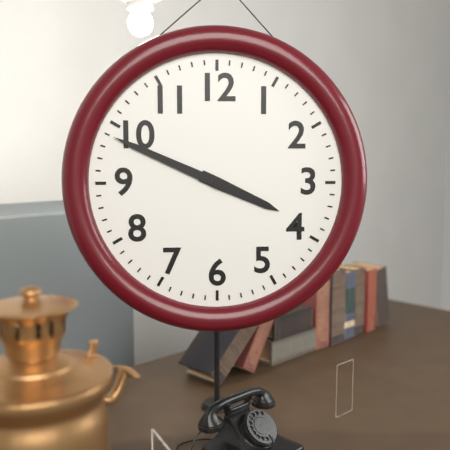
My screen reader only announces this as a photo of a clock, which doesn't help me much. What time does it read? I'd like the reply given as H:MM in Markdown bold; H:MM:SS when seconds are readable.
**3:49**
